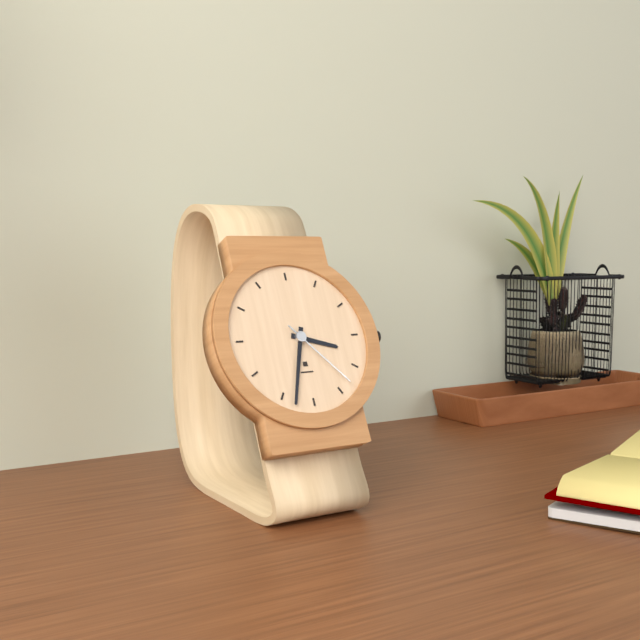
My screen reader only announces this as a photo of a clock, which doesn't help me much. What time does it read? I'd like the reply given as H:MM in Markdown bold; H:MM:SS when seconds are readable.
**3:33:23**
